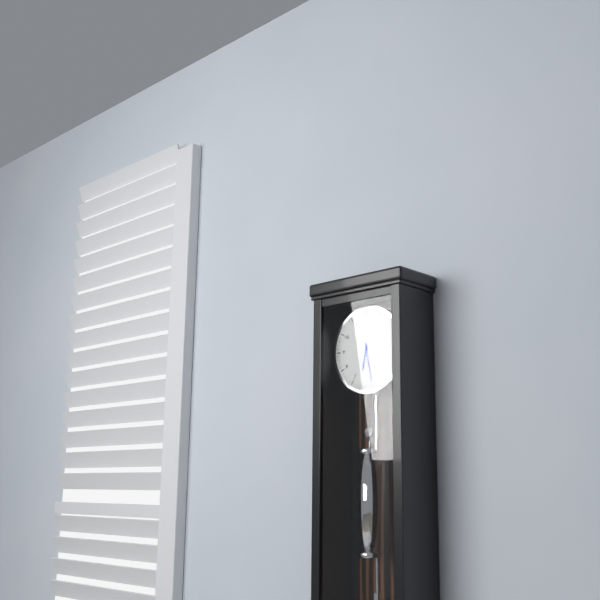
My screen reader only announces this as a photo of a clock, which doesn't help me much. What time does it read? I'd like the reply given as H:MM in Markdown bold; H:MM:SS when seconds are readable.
**6:28**
